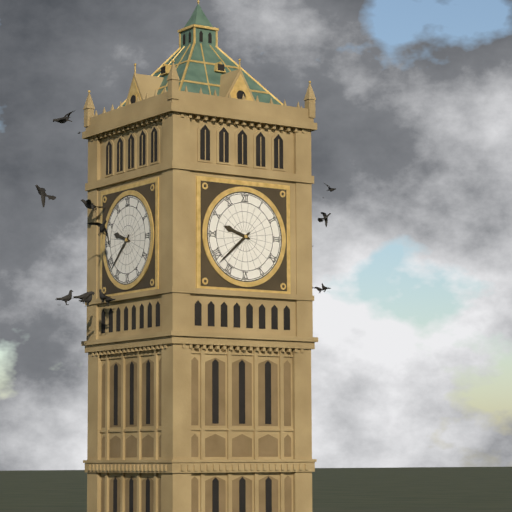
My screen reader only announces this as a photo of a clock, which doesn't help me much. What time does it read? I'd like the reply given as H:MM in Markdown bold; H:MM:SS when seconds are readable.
**9:38**
